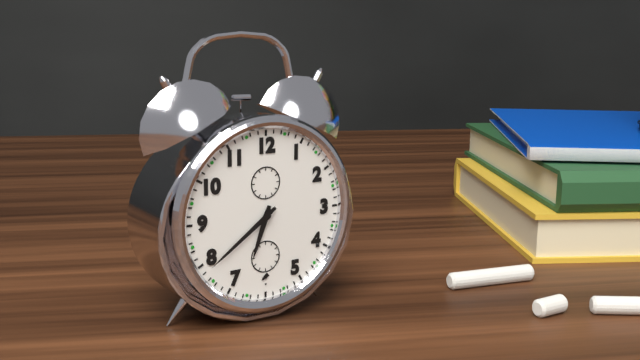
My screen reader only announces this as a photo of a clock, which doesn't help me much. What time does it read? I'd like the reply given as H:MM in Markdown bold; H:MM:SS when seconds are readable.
**6:39**
